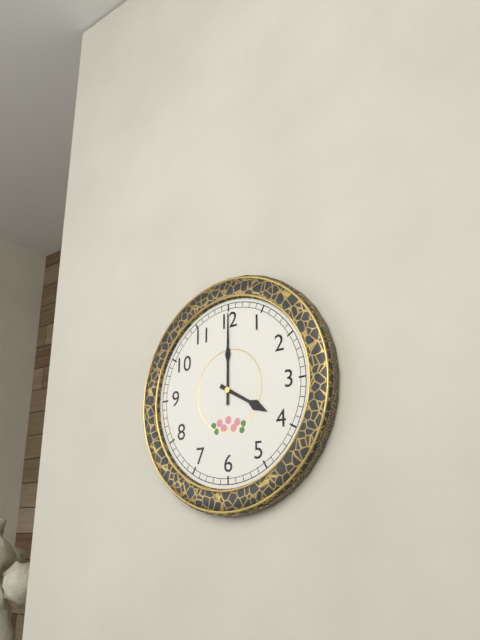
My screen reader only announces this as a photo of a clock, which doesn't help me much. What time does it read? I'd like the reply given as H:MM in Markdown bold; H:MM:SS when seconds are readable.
**4:00**
